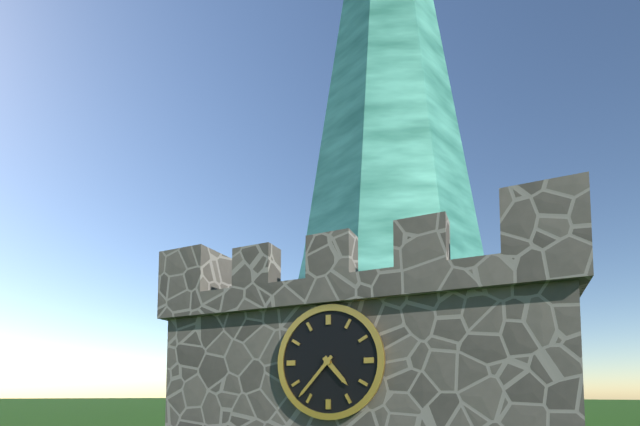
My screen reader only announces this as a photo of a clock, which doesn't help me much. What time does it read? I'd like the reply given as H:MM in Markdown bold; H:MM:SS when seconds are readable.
**4:37**
